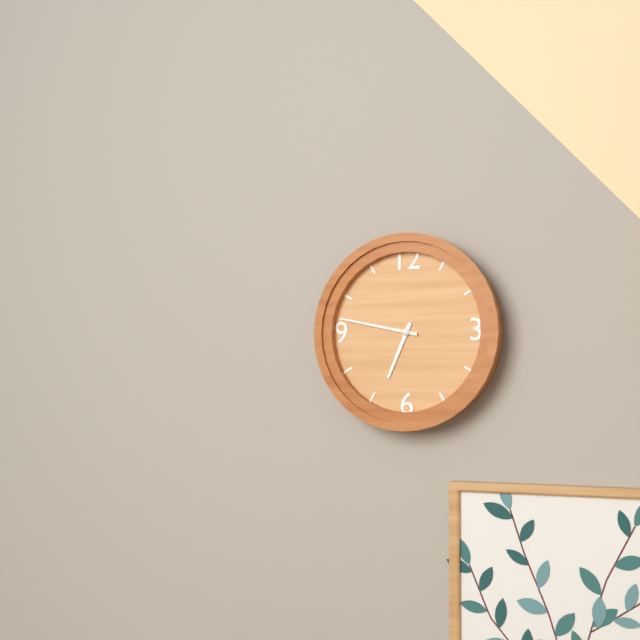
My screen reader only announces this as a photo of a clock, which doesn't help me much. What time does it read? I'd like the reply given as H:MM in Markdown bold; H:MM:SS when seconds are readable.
**6:47**
